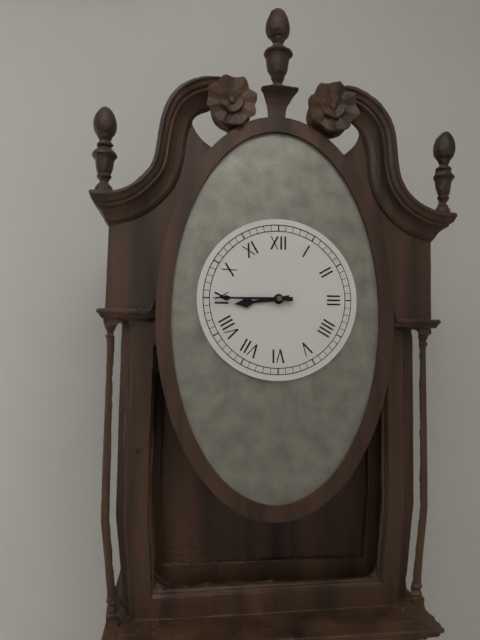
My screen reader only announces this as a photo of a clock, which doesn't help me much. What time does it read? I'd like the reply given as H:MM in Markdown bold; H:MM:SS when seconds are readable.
**8:45**
